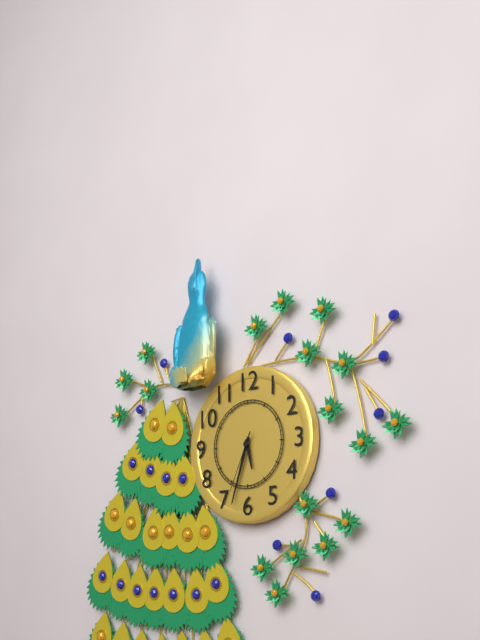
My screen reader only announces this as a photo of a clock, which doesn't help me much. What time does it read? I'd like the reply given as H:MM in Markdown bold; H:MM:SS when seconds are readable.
**5:33:34**
